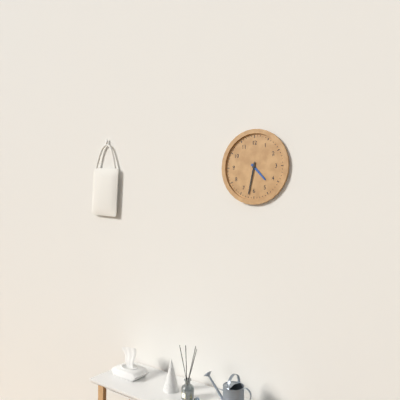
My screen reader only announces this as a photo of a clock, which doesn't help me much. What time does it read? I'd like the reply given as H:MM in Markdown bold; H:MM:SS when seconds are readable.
**4:32**
